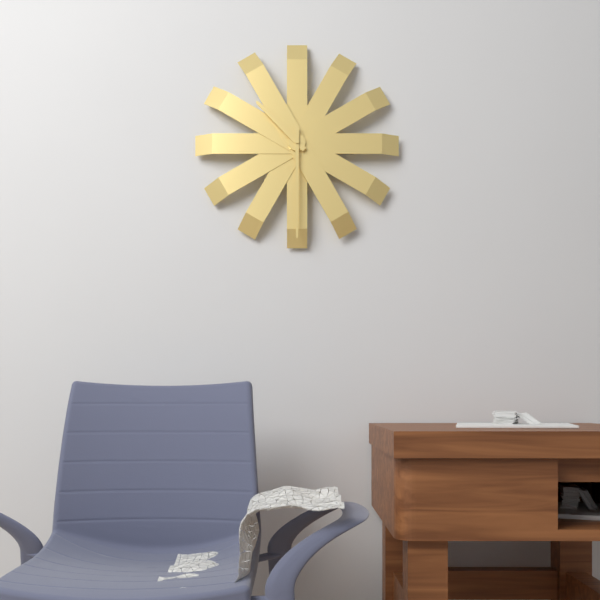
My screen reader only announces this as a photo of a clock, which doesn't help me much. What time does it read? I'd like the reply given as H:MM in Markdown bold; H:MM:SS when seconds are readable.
**10:30**
